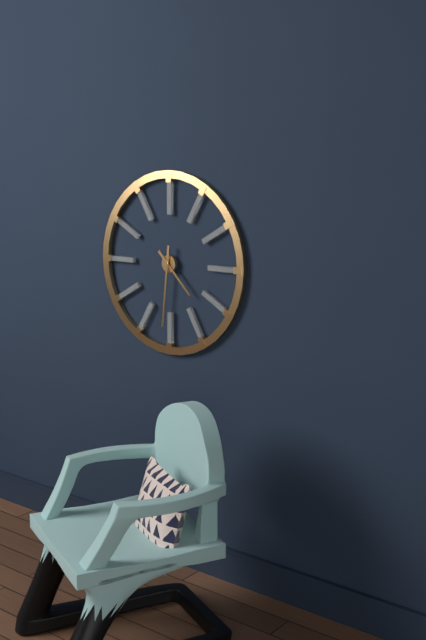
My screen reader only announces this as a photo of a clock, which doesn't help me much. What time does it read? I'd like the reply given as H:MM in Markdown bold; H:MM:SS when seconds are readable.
**4:31**
